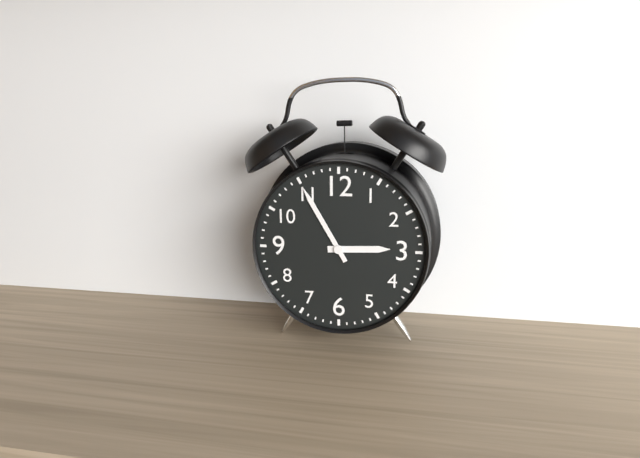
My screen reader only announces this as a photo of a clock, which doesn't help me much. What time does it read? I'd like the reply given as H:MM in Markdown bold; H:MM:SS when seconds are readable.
**2:55**
